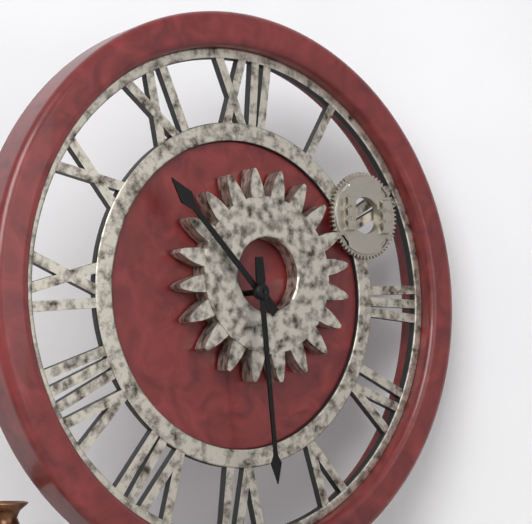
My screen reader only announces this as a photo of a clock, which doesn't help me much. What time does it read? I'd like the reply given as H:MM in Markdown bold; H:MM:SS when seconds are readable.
**10:29**
